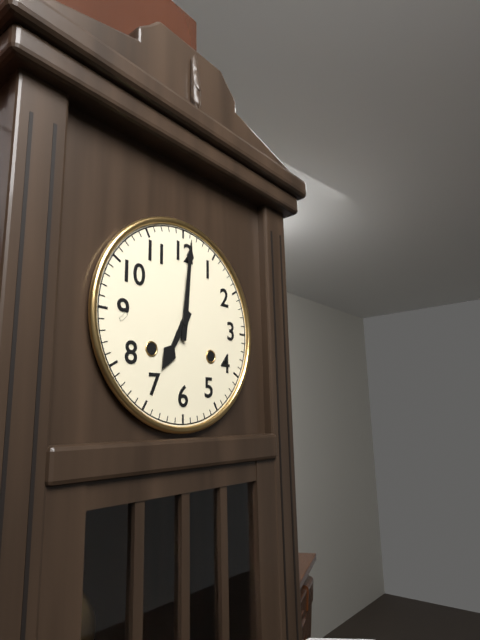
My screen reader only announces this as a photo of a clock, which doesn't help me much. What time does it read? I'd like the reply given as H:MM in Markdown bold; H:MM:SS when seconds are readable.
**7:01**
